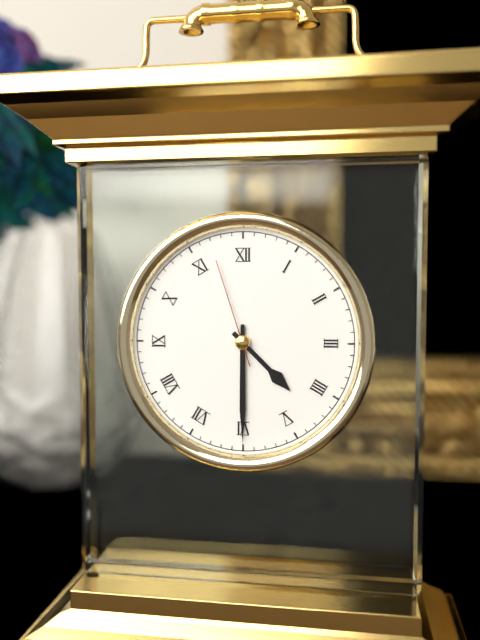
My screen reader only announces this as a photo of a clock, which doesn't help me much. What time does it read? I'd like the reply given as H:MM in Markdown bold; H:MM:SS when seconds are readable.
**4:30:57**
